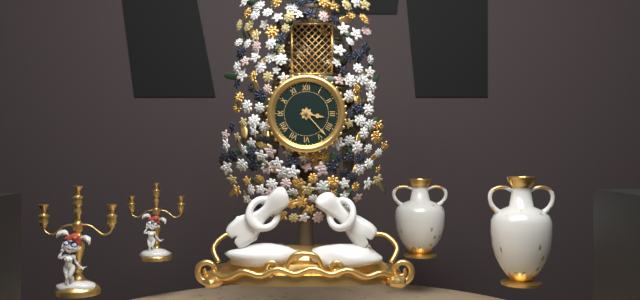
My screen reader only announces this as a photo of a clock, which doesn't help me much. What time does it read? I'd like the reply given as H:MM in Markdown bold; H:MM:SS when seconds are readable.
**3:23**
